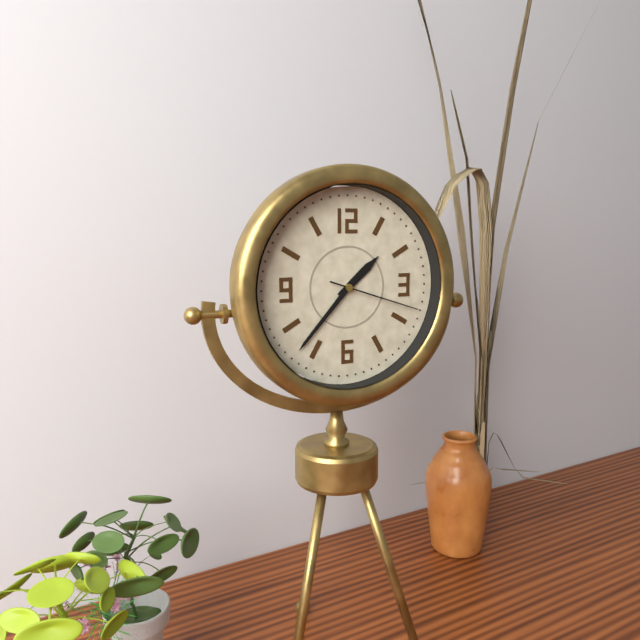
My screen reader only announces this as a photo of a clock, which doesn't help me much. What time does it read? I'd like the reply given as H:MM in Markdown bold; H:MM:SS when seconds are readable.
**1:37:18**
